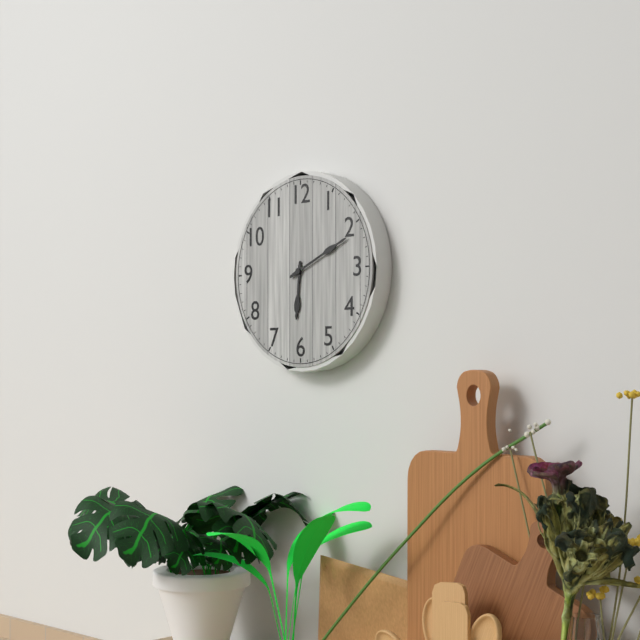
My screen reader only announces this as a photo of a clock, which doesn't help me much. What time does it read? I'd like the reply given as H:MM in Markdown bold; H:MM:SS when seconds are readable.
**6:11**
